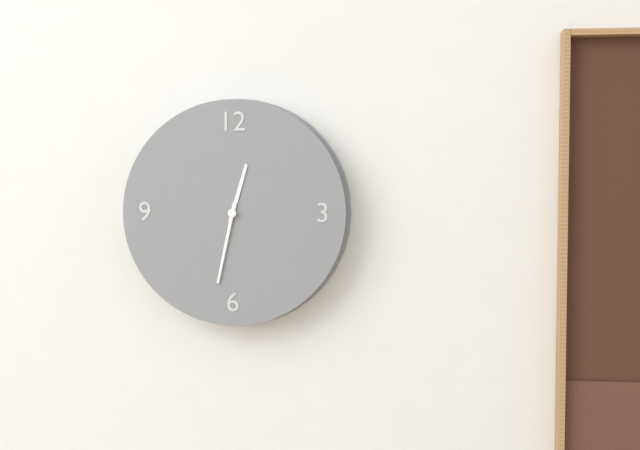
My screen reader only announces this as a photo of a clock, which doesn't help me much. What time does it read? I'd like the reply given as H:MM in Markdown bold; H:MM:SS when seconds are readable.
**12:32**
